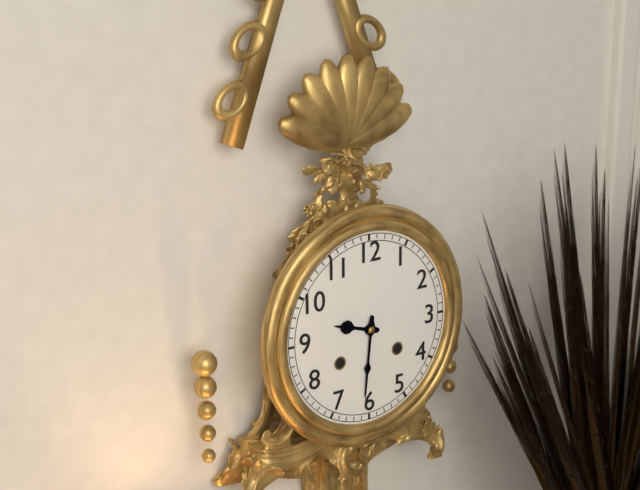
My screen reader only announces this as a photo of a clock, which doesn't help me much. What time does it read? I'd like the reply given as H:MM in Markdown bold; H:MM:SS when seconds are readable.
**9:31**
